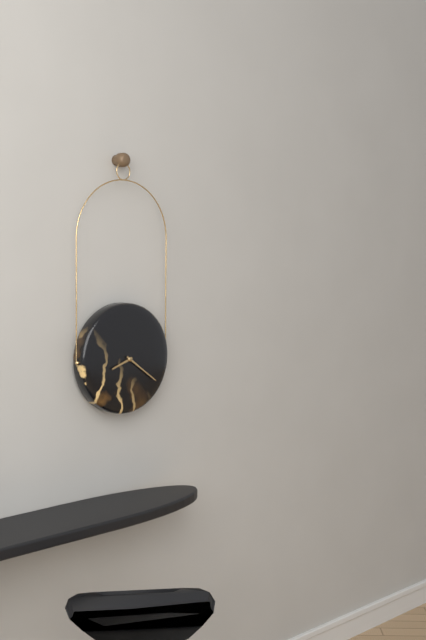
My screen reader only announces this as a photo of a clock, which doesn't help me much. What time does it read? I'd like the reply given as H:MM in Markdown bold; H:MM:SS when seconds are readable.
**8:21**
